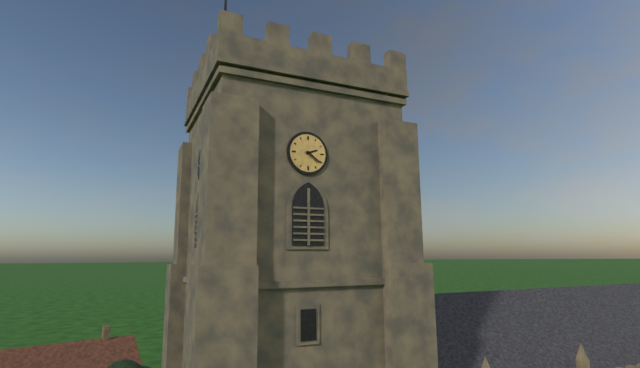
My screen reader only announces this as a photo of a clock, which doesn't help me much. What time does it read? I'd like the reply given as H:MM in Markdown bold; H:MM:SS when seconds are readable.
**2:21**
